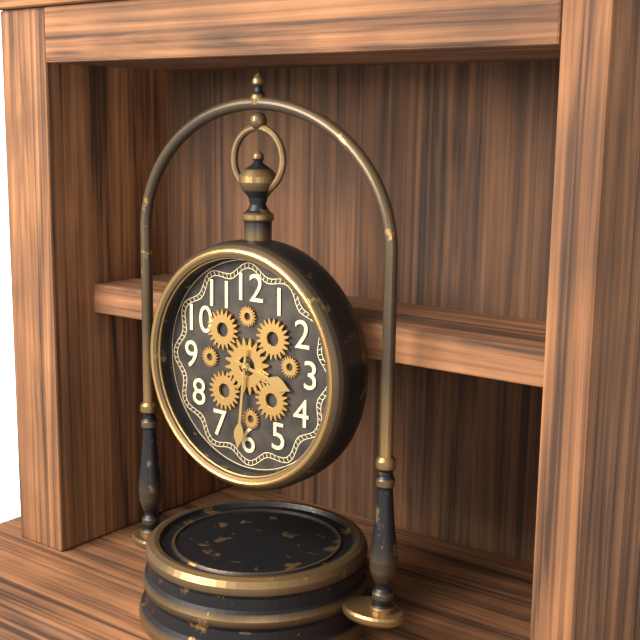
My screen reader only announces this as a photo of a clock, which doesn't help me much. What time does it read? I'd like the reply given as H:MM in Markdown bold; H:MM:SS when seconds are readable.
**3:31**
